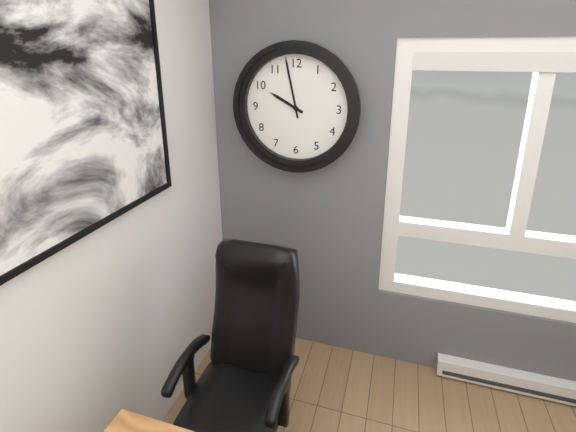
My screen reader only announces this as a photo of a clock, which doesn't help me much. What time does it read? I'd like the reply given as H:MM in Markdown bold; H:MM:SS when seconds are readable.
**9:58**
